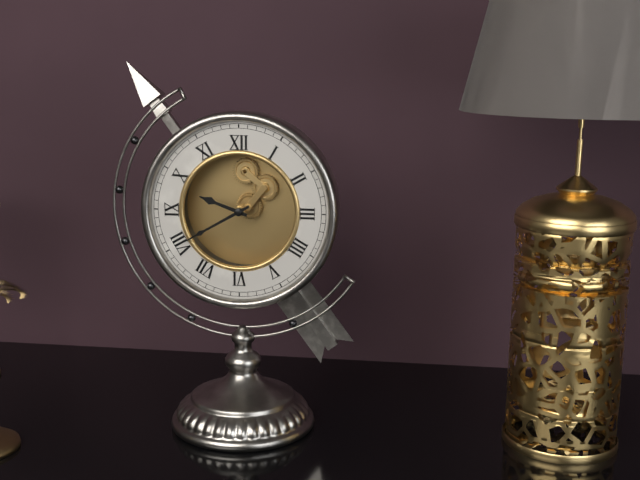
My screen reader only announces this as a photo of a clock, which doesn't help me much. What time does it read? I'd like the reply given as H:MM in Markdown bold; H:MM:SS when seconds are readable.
**9:40**
